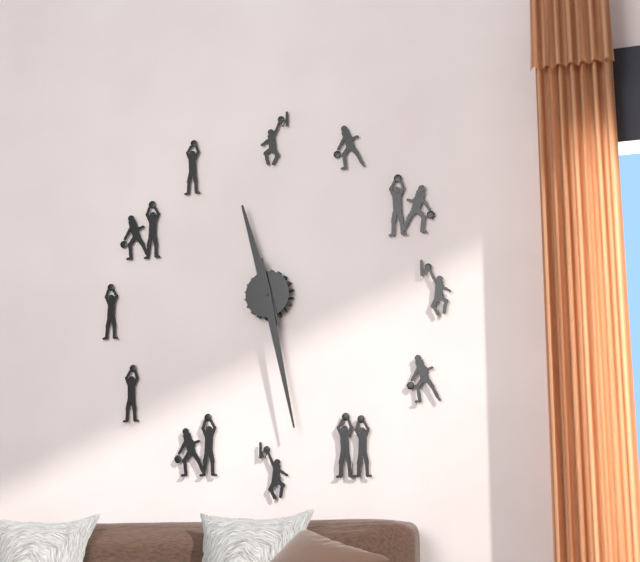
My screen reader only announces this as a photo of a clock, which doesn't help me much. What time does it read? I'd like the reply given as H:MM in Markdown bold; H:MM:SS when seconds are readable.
**11:28**
